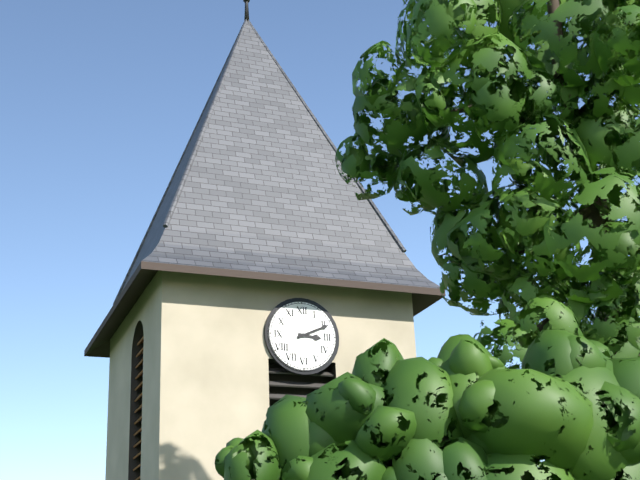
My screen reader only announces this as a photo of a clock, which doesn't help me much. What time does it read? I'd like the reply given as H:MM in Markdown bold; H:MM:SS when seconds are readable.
**3:11**
